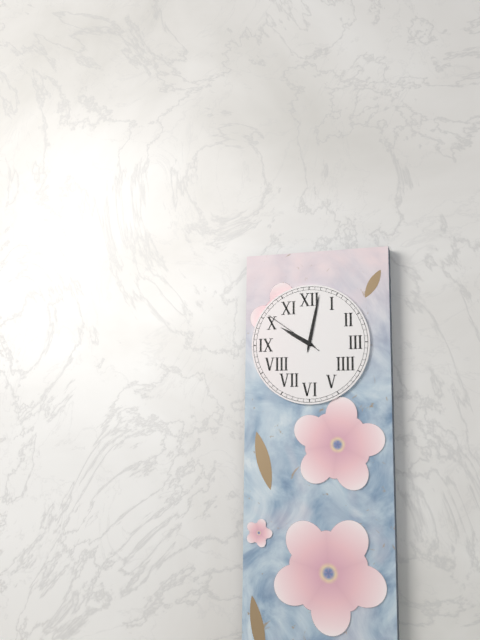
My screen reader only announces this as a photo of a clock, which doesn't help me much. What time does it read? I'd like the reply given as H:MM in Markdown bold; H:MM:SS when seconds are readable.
**10:02:51**
